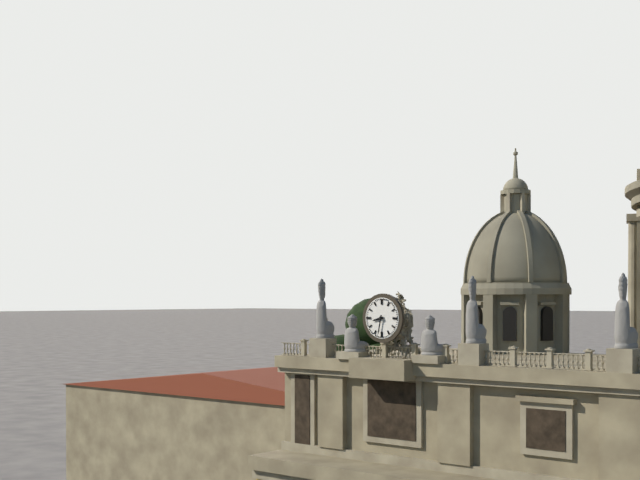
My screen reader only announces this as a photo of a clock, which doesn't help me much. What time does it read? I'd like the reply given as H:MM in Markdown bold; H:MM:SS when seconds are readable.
**8:32**
